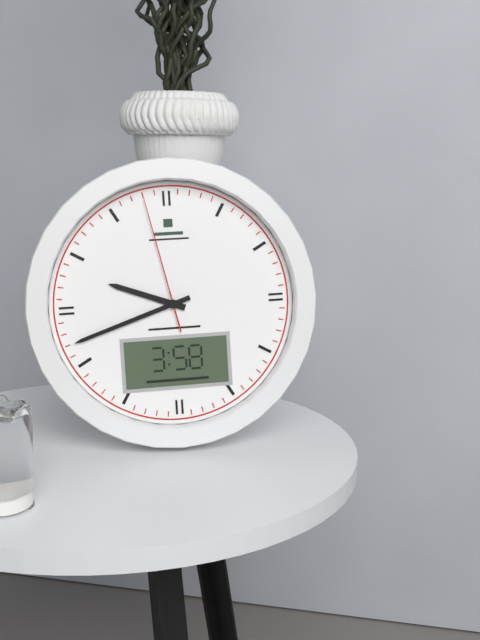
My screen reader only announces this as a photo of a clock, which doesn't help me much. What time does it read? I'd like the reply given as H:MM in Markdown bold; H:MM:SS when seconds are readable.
**9:42:58**
